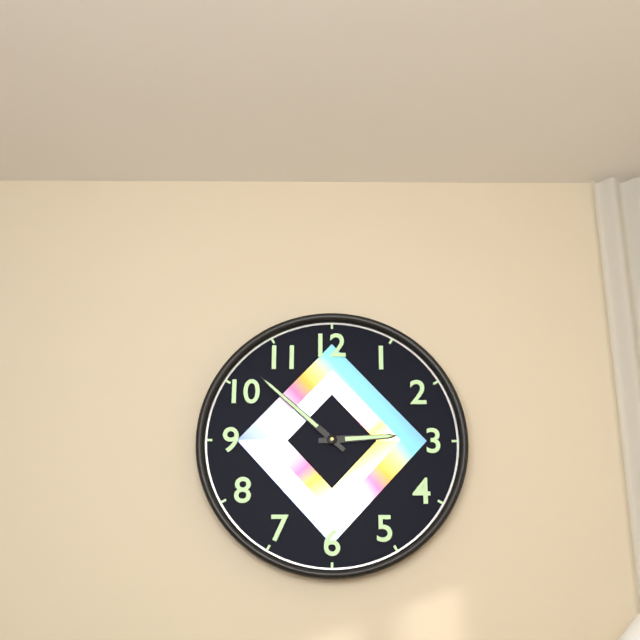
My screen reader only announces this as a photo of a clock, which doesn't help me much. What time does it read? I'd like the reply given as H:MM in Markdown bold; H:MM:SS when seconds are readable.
**2:52**
